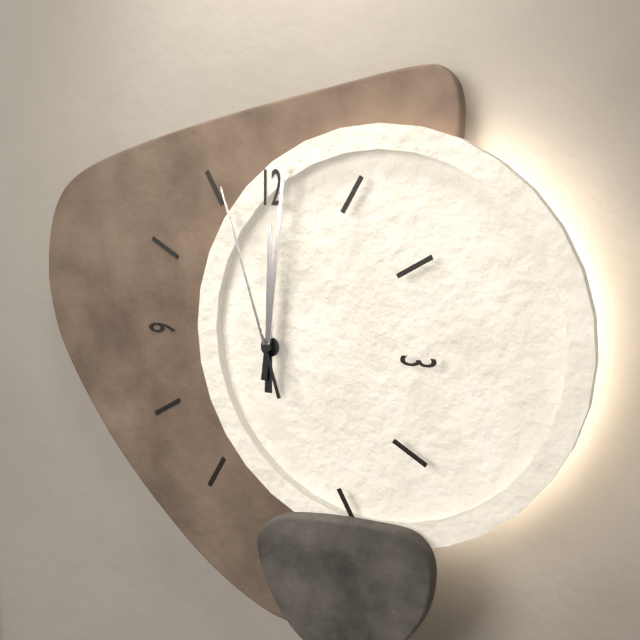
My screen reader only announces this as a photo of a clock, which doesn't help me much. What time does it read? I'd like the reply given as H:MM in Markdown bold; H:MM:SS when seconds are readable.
**12:01:57**
